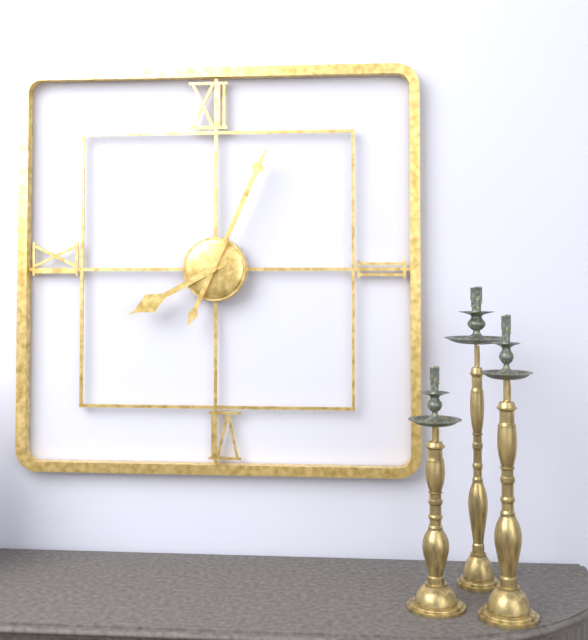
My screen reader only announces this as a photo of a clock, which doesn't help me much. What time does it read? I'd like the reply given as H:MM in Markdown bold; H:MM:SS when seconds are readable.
**8:04**
